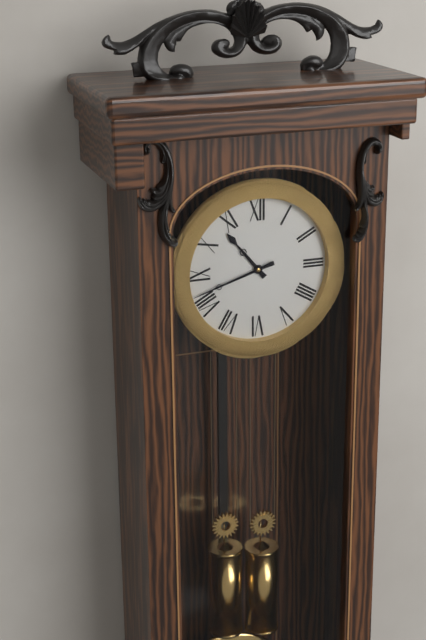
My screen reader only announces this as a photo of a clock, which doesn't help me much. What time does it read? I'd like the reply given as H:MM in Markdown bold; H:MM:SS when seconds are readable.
**10:42**
